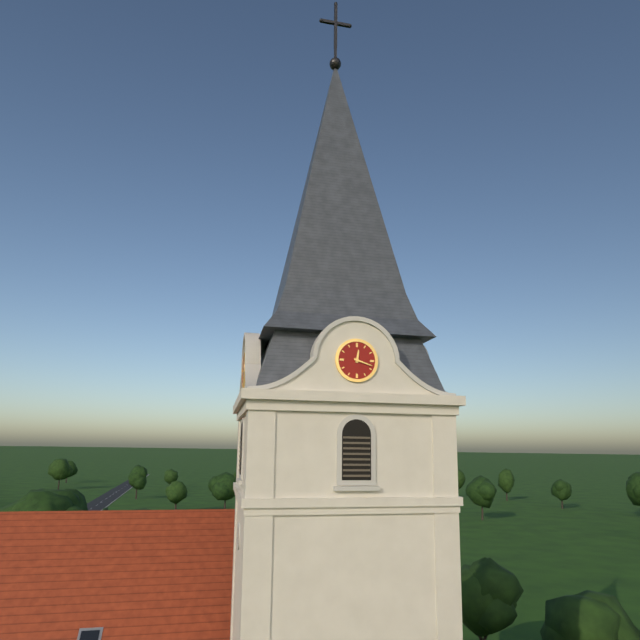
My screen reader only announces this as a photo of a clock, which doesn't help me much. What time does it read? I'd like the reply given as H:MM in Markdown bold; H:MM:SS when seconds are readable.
**12:18**
